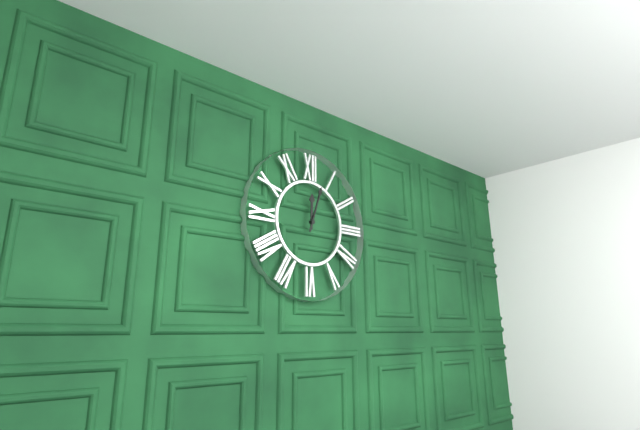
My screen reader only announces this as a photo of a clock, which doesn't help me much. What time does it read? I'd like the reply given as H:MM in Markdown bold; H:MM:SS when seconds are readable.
**12:03**
